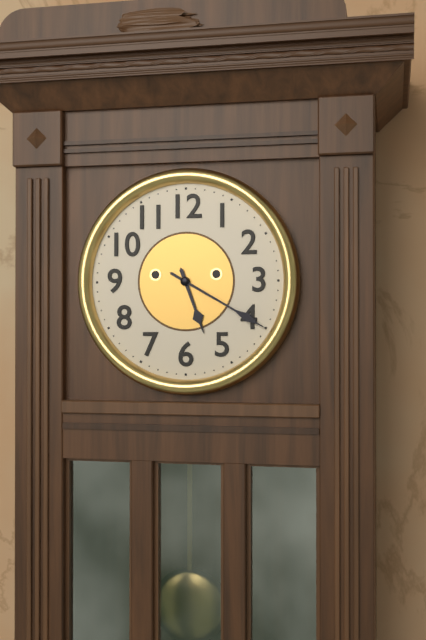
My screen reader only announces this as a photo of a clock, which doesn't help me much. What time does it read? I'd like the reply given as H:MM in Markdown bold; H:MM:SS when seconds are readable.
**5:20**
